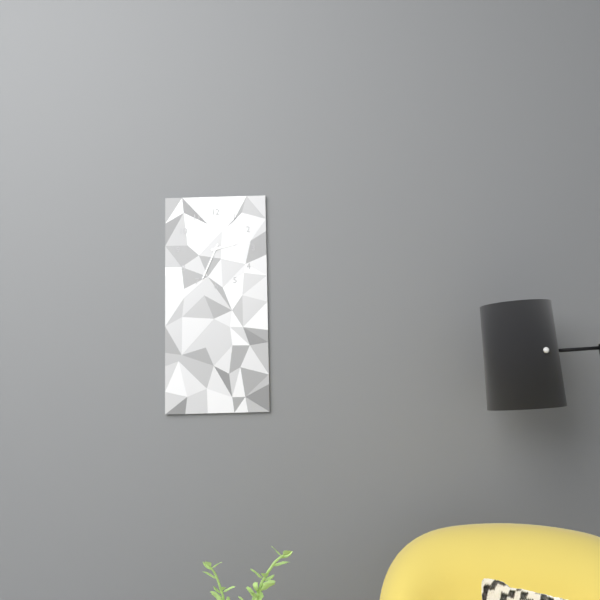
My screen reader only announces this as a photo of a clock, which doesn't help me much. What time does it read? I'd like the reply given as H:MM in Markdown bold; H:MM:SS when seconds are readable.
**2:34**
